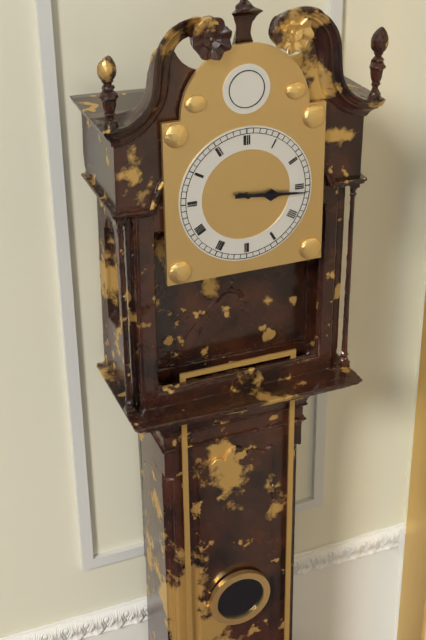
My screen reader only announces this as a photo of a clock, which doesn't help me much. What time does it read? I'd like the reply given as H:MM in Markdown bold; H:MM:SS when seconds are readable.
**3:16**
